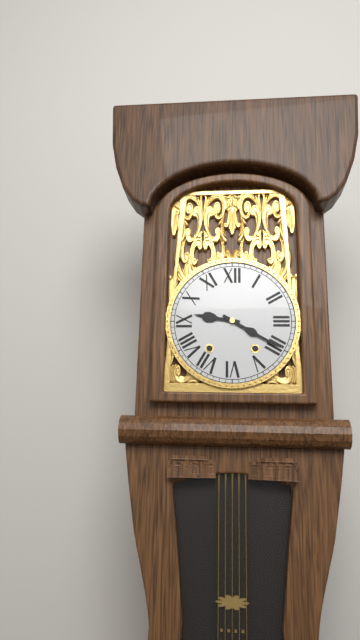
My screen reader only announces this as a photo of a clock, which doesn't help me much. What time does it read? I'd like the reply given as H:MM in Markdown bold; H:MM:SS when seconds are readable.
**9:20**
